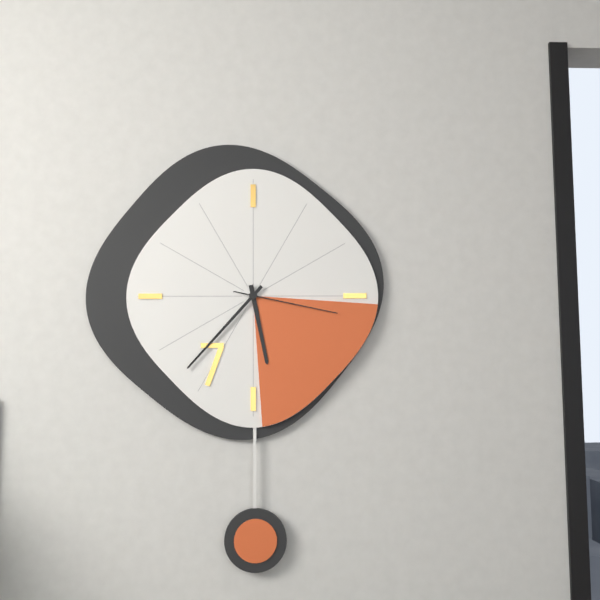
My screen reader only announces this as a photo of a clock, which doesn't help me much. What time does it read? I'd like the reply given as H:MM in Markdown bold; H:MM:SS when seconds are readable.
**5:37:17**
